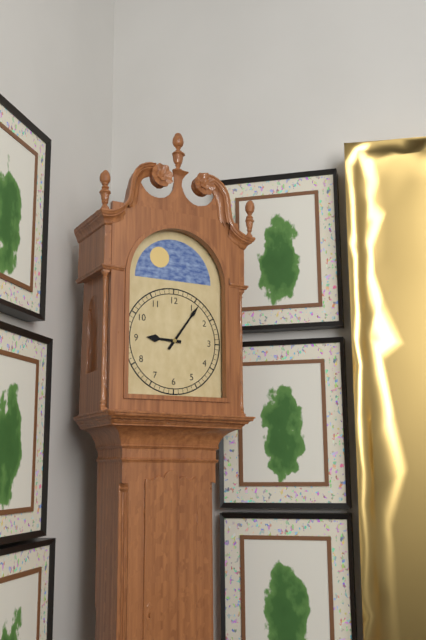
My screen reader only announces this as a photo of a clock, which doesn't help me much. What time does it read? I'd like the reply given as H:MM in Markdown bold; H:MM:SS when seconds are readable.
**9:06**
